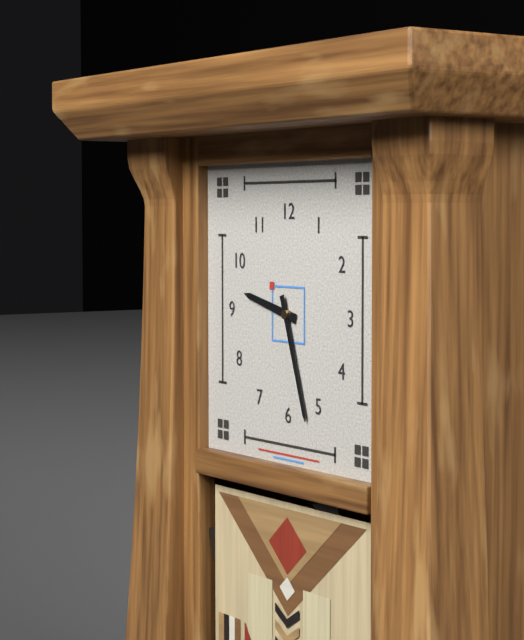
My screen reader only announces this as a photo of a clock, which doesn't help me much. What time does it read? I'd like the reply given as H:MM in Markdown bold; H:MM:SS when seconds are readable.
**9:27**
